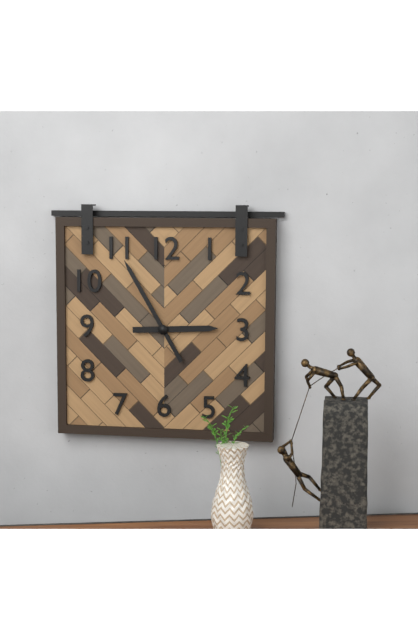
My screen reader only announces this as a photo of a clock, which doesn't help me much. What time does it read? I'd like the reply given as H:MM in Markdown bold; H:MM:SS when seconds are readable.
**2:55**
